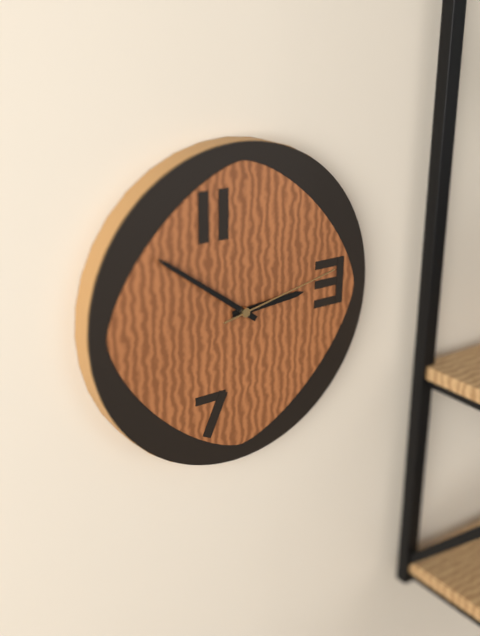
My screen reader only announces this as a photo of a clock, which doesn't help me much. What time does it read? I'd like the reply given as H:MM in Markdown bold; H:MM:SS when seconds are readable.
**2:51:13**
